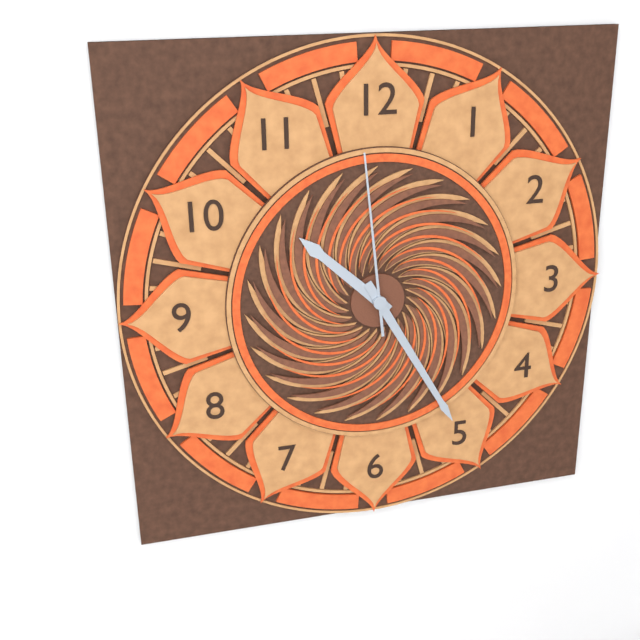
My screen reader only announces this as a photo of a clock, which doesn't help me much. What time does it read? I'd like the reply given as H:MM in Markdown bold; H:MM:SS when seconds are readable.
**10:25:59**
